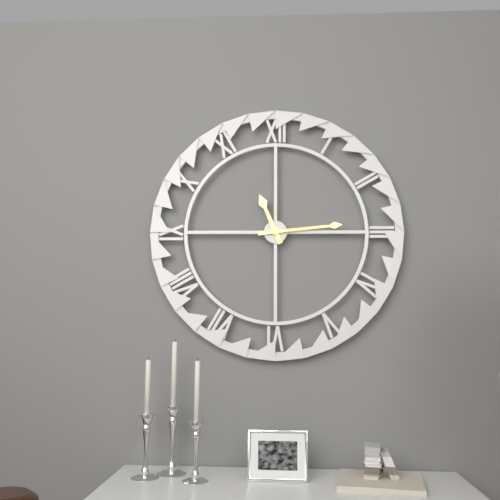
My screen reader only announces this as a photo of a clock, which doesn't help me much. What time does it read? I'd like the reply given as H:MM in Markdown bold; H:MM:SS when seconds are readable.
**11:14**
